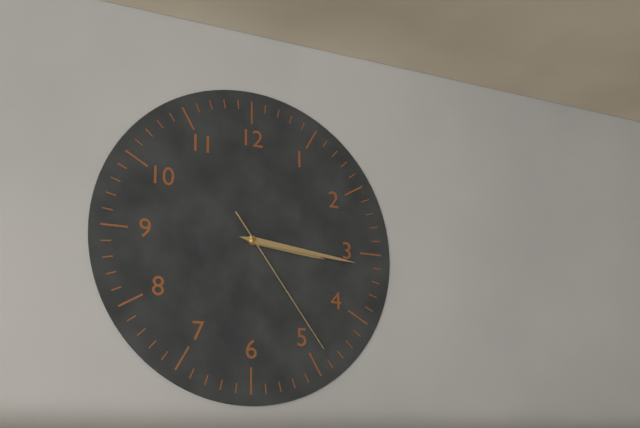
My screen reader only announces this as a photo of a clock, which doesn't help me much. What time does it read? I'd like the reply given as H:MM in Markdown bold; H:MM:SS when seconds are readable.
**3:16:24**
